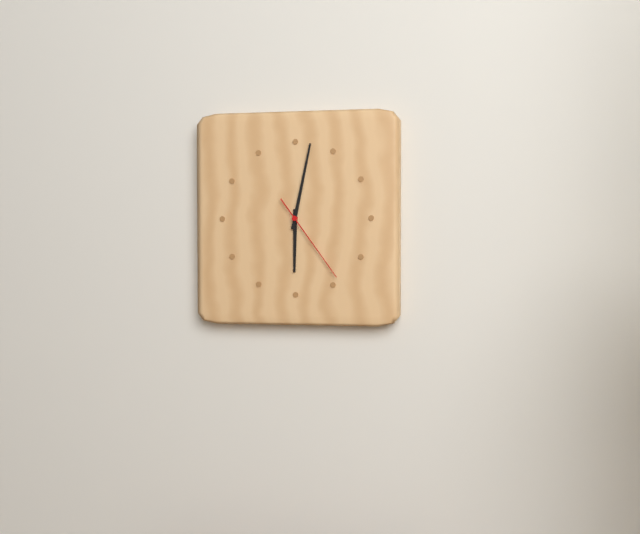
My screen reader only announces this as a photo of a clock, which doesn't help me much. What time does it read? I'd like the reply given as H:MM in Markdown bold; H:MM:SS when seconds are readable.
**6:02:24**
